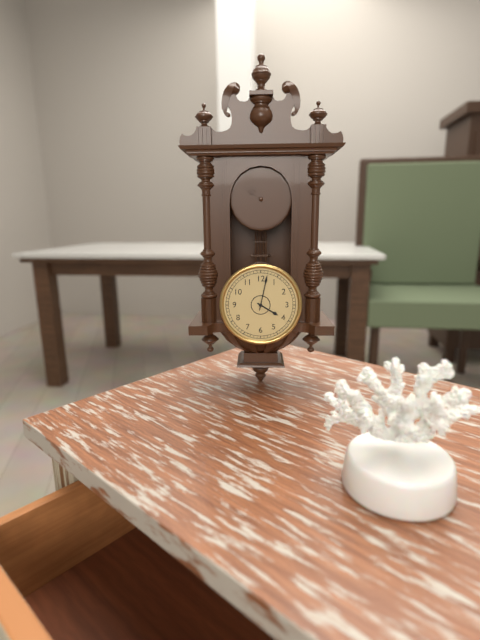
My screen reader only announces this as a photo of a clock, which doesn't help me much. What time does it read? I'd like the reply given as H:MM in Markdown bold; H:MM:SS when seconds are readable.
**4:02**
